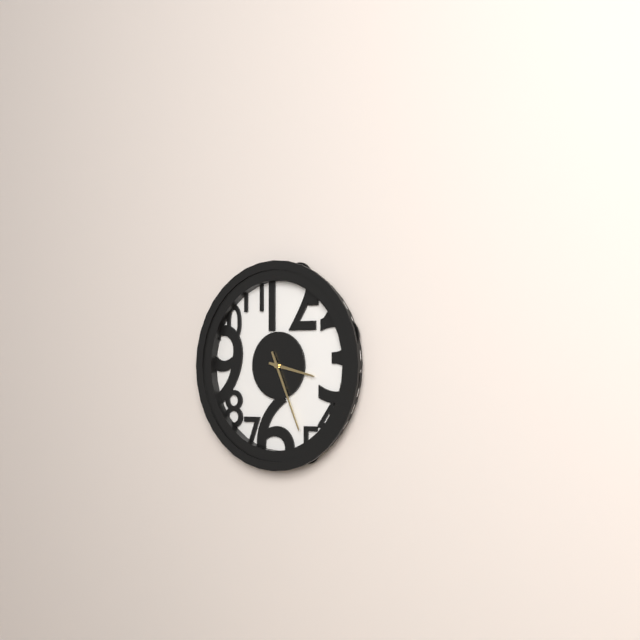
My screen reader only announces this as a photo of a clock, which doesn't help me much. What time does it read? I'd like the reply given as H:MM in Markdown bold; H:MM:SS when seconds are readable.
**3:26**
